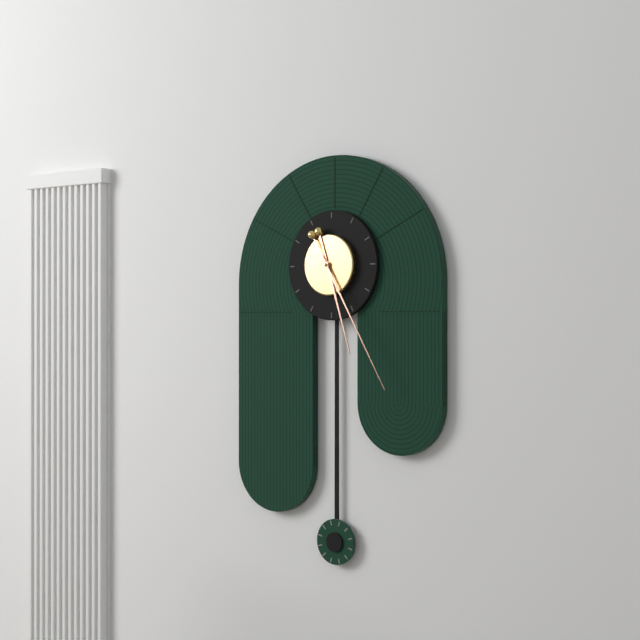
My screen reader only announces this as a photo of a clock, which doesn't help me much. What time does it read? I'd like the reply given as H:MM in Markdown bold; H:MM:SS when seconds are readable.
**5:25**
